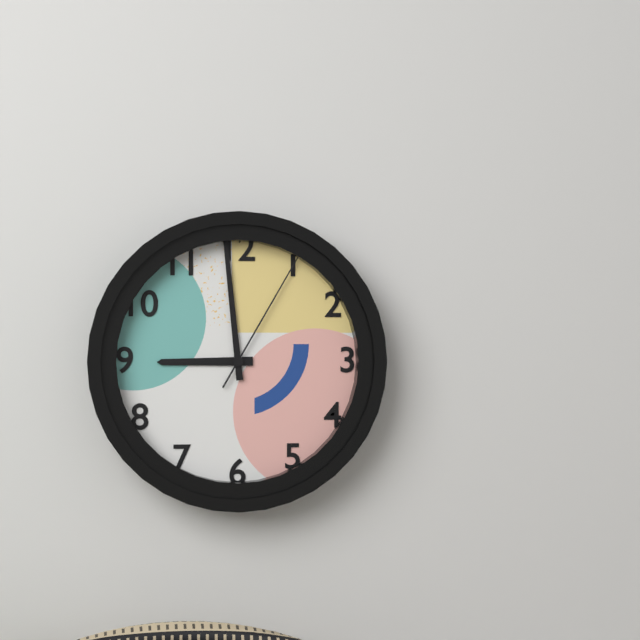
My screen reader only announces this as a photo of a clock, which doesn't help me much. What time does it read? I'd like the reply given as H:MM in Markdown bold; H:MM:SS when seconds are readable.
**8:59:05**
